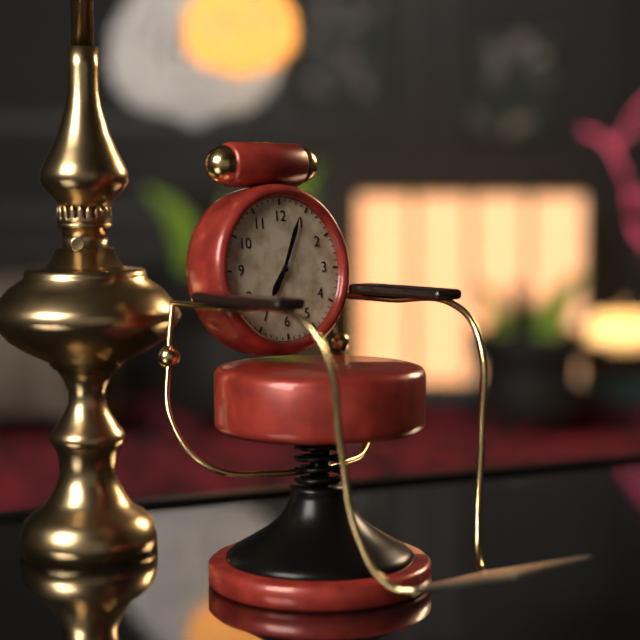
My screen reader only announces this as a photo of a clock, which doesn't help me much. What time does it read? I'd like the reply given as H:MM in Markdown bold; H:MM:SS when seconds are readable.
**7:04**
